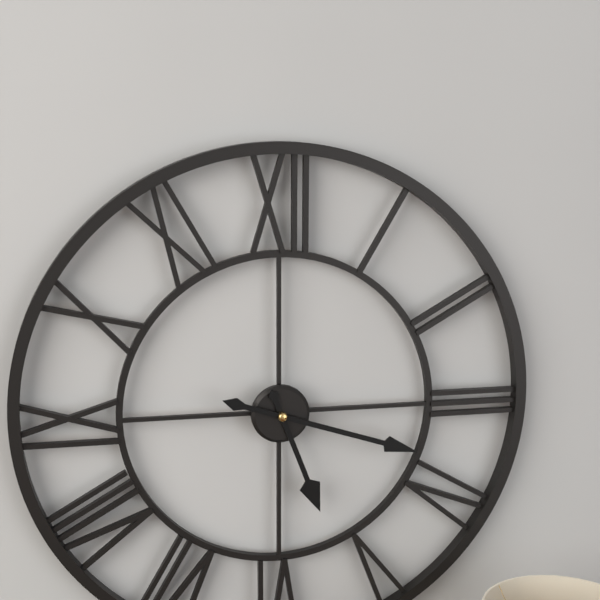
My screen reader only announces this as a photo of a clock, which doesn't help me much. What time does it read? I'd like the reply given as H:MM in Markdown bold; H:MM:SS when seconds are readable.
**5:18**
